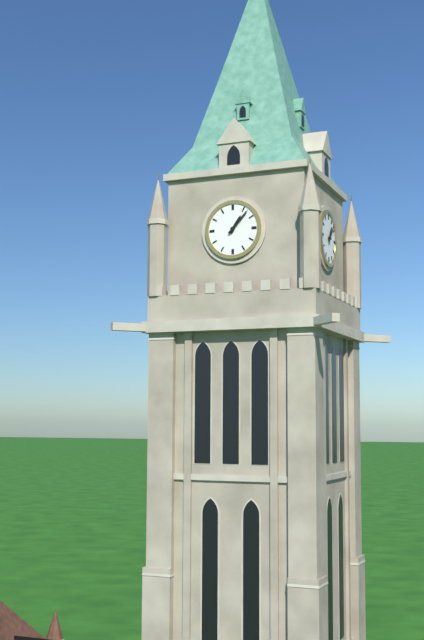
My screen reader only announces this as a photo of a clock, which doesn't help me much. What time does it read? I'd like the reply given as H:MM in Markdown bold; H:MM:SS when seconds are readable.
**1:07**
